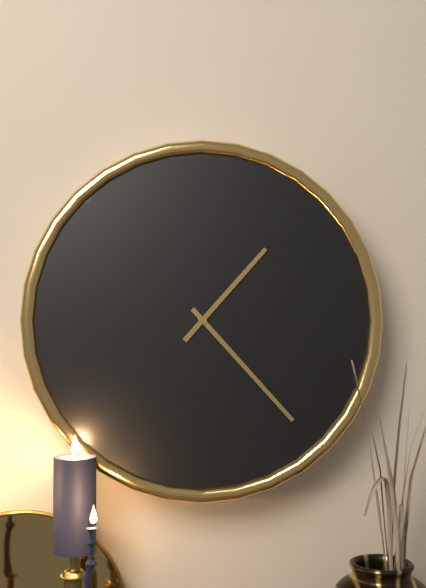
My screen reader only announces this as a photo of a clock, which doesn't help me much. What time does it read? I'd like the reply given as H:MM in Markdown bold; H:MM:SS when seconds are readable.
**1:23**
